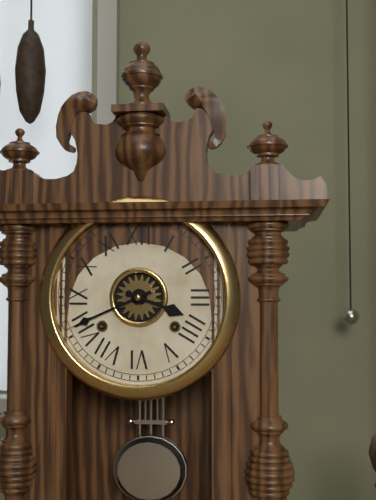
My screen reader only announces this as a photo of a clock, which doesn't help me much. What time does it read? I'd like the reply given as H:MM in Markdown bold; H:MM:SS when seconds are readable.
**3:41**
